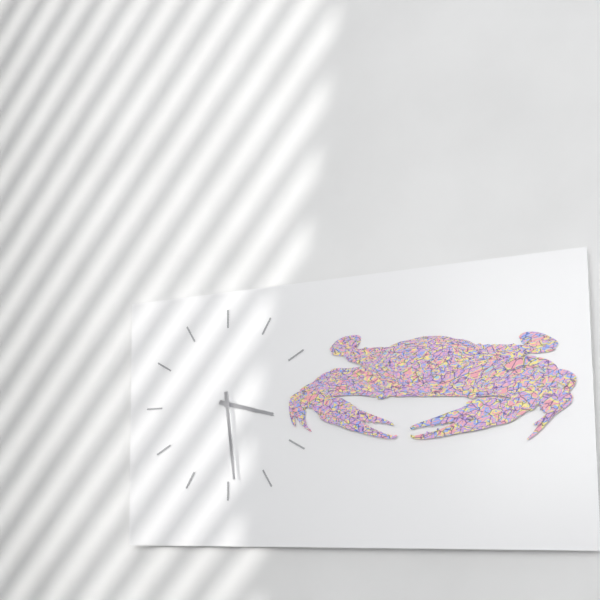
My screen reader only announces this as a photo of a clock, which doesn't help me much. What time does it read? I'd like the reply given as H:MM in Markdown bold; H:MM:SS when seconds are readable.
**3:29**
